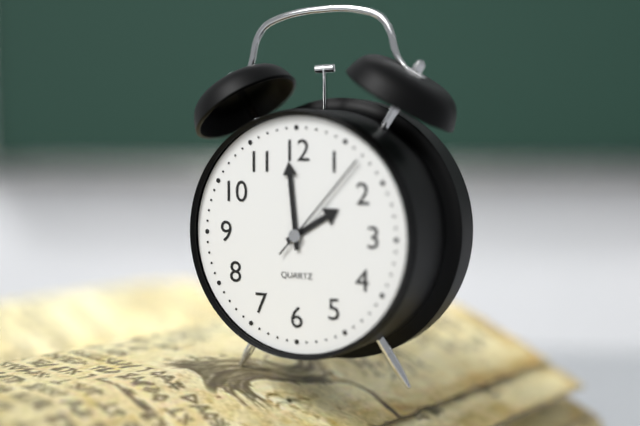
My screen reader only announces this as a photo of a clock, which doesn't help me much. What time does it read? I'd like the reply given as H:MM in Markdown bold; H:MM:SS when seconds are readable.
**1:59:07**
